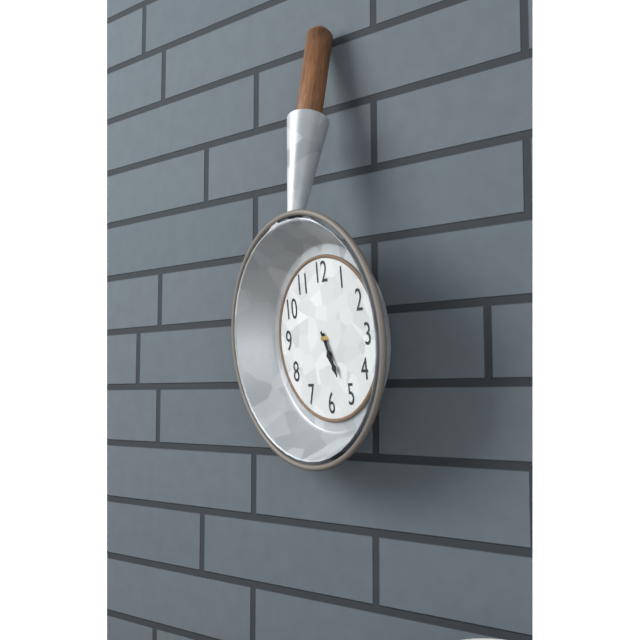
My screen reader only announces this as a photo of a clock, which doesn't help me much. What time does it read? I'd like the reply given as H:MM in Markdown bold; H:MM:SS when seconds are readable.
**5:26**
